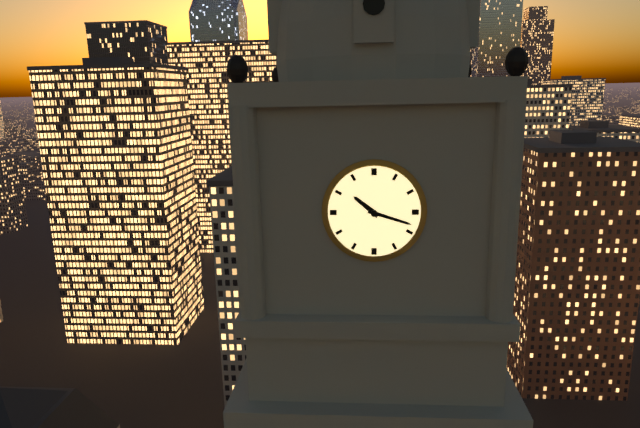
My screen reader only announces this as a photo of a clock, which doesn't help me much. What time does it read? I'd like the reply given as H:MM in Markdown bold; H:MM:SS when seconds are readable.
**10:18**
